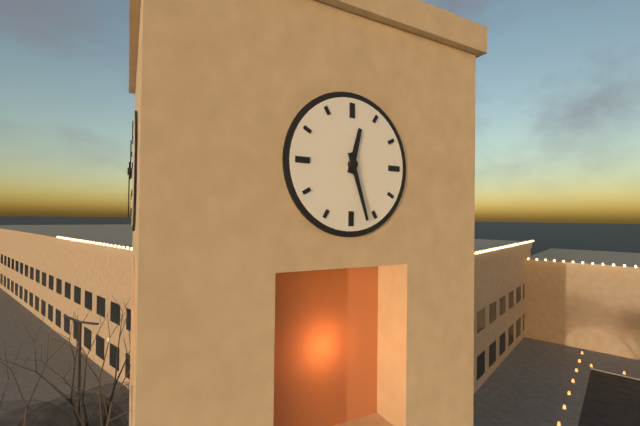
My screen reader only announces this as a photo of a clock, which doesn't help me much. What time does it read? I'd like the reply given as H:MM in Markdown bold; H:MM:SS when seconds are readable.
**12:27**
